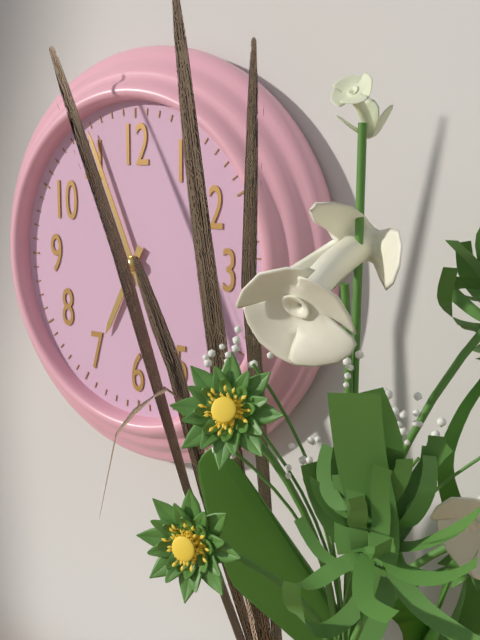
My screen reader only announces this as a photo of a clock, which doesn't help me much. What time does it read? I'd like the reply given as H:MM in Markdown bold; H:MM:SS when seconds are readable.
**6:56**
